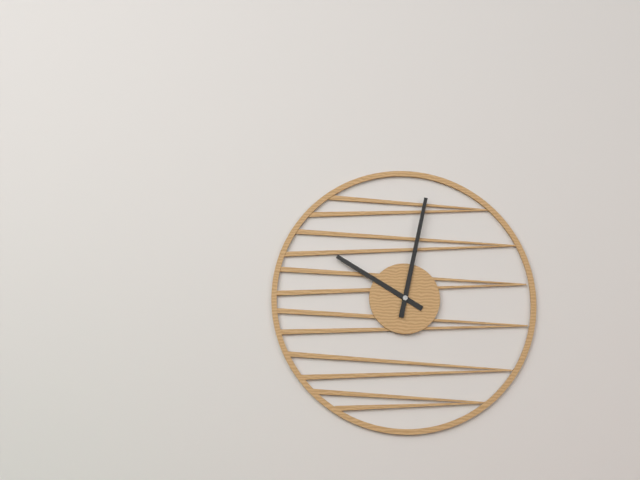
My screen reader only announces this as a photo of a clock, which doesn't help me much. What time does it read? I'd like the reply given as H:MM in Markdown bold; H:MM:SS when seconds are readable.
**10:02**
